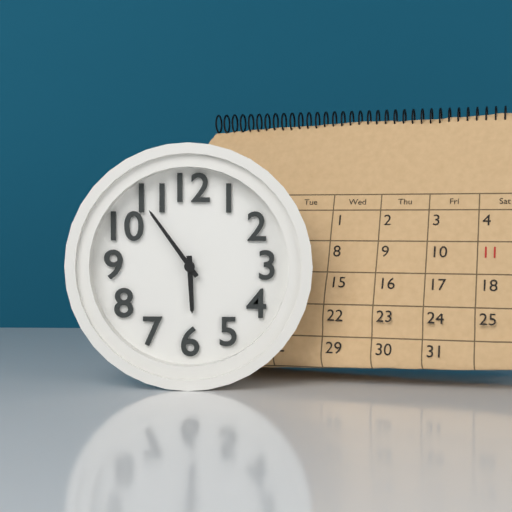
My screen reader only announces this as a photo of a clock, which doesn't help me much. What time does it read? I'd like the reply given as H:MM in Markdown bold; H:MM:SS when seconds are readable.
**5:54**
